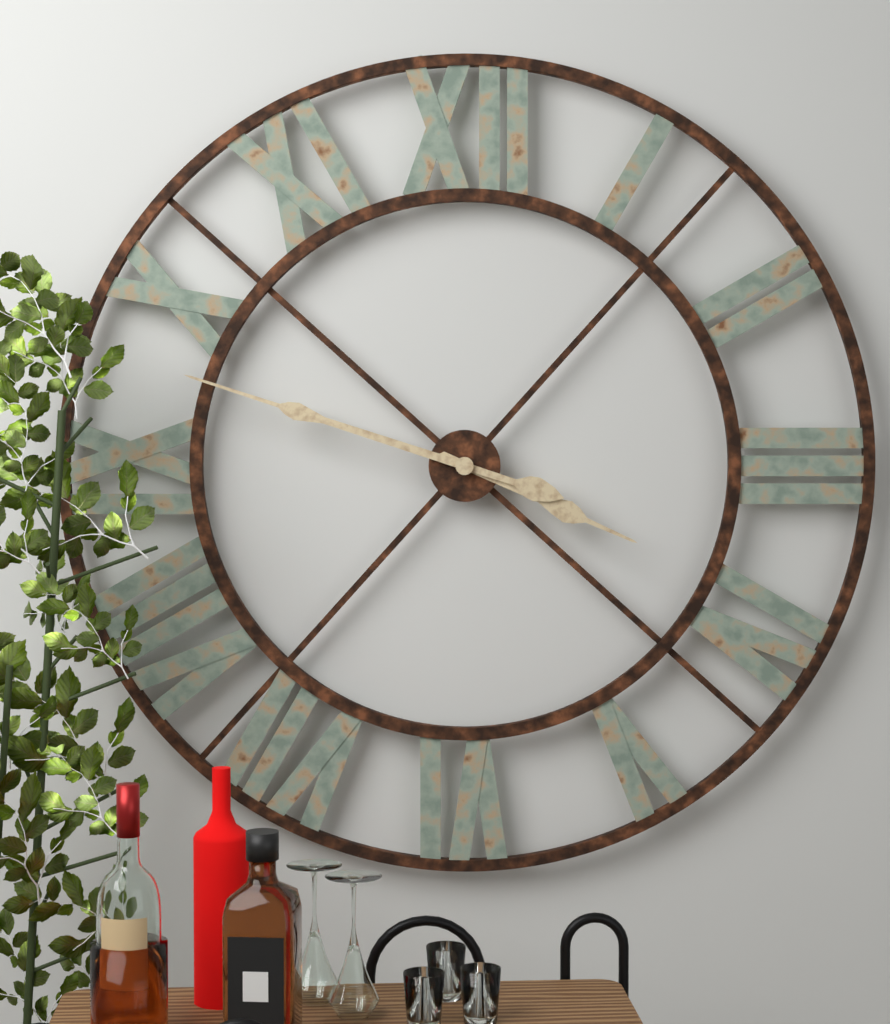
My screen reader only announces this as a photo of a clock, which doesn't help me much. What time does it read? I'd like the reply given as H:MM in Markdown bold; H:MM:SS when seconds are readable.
**3:48**
